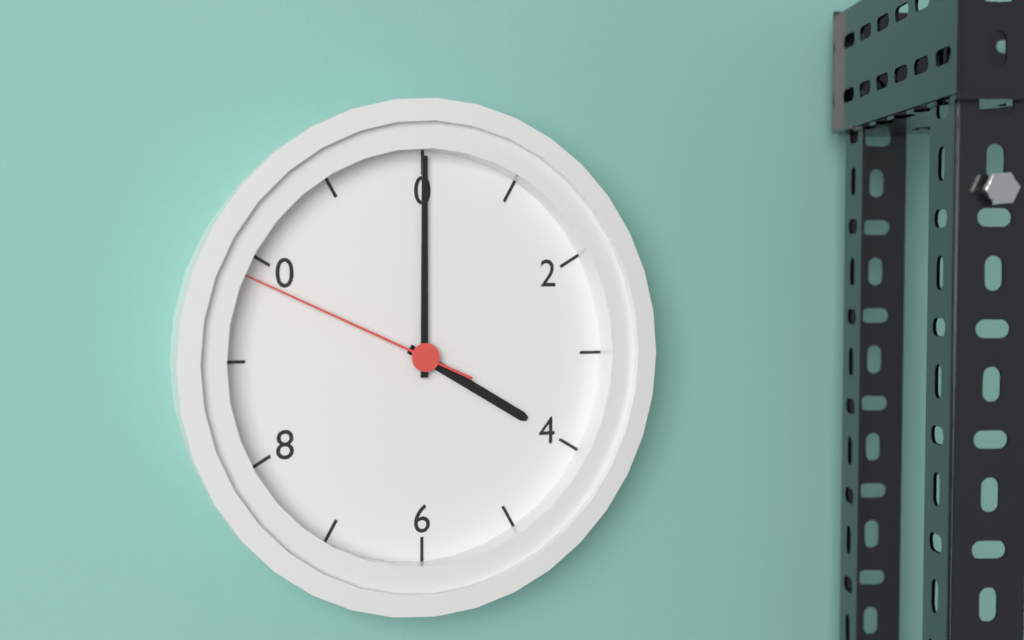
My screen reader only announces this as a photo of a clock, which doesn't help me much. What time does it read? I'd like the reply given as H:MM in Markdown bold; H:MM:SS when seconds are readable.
**4:00:49**
